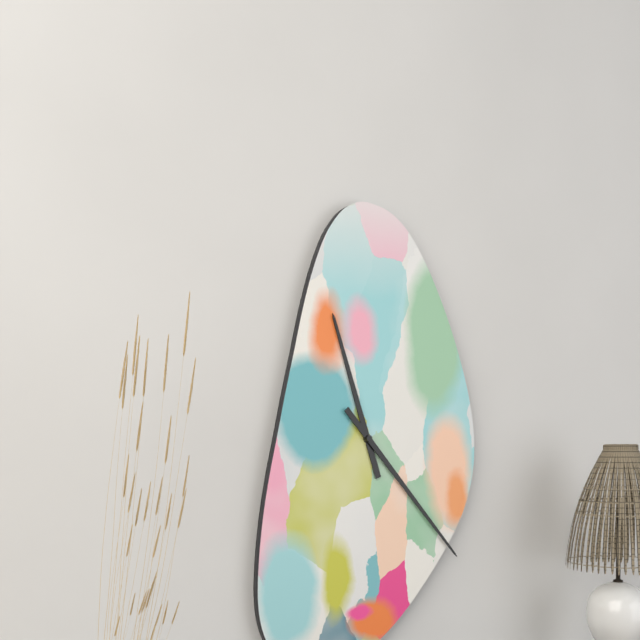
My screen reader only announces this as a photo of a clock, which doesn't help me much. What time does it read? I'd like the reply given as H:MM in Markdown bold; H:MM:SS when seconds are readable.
**11:23**
